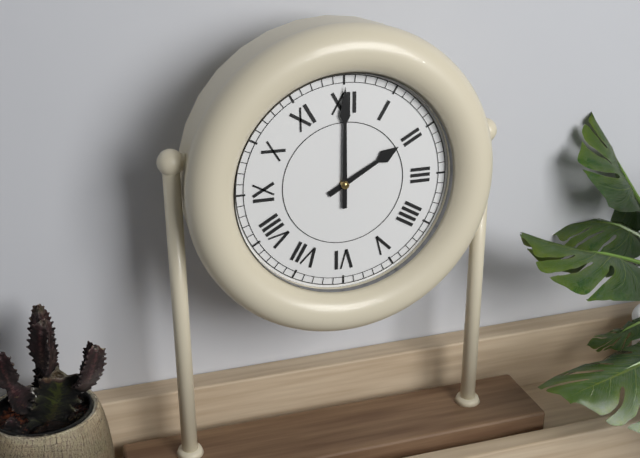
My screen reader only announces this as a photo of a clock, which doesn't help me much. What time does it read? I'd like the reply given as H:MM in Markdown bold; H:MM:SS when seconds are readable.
**2:00**
